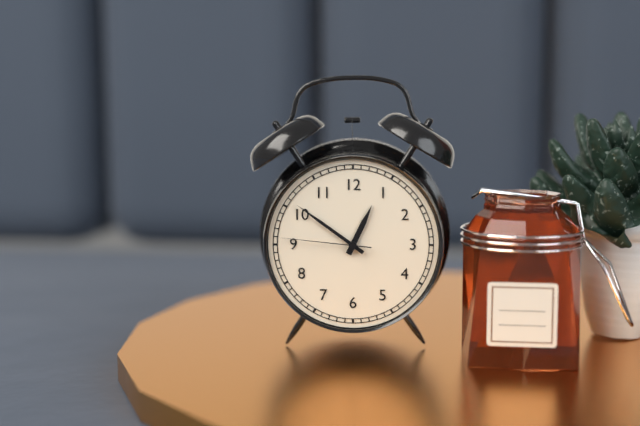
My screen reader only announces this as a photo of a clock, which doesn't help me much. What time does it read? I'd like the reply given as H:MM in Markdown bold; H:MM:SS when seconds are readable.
**12:51:46**
